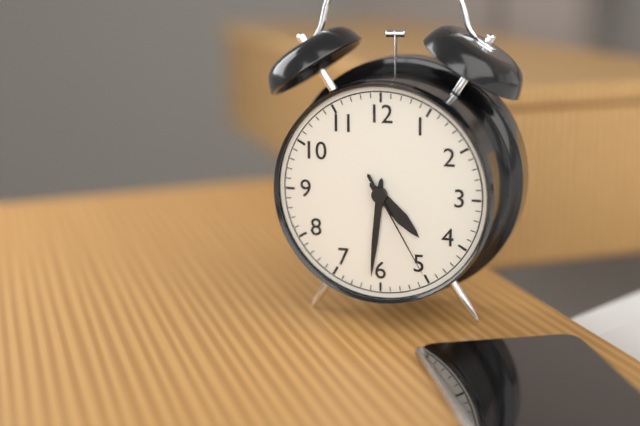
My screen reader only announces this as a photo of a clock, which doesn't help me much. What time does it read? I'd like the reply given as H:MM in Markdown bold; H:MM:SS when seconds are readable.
**4:31:25**
